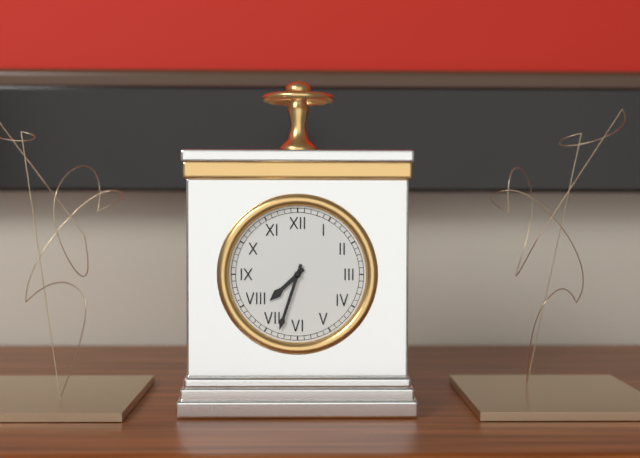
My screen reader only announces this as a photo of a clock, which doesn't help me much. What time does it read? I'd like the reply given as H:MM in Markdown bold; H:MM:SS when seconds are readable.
**7:33**
